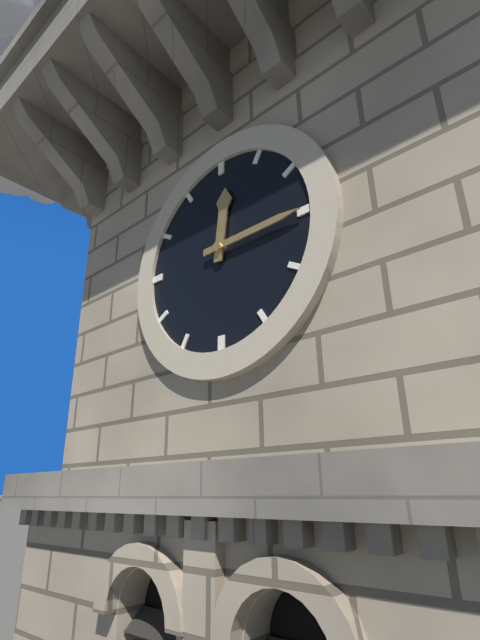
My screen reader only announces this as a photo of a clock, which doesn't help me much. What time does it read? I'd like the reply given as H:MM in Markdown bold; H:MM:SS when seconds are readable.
**12:15**
